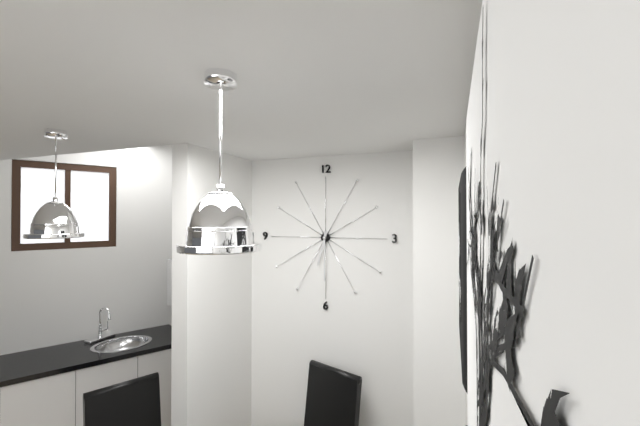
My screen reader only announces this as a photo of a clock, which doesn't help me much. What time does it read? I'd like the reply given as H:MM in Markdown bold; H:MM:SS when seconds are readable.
**6:30**
